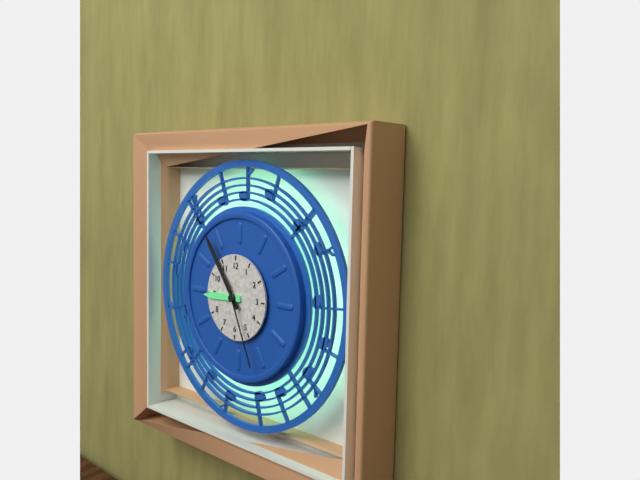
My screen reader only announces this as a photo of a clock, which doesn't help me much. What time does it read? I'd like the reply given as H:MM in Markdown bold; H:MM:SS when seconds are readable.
**8:54:26**
